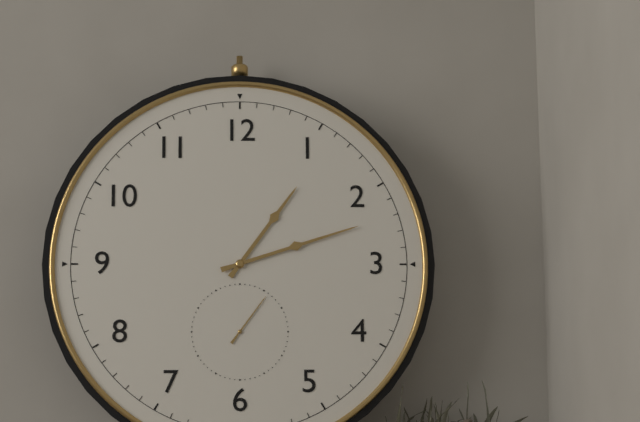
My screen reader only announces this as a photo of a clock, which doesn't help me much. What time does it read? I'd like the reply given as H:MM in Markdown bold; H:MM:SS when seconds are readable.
**1:12:06**
